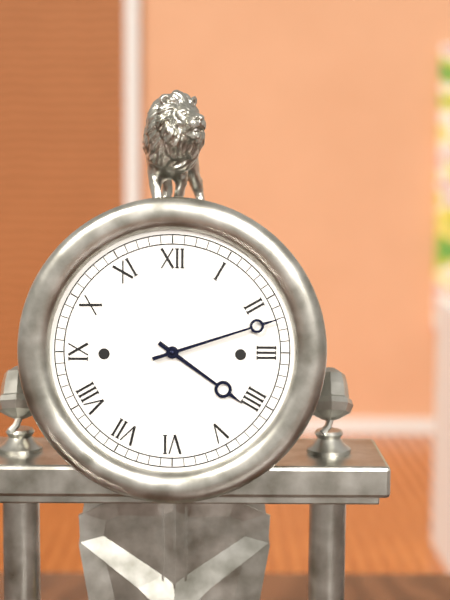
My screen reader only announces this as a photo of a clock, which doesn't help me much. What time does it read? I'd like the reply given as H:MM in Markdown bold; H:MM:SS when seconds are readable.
**4:12**
